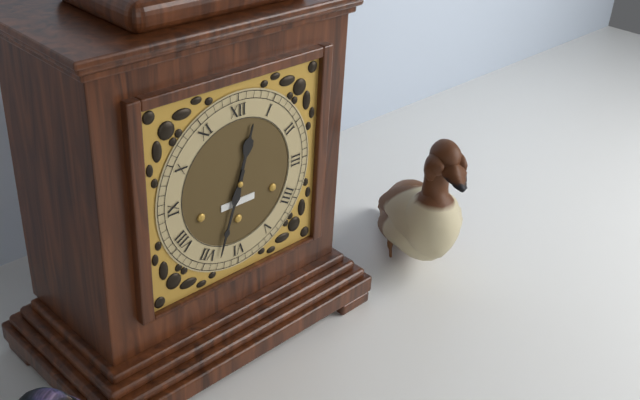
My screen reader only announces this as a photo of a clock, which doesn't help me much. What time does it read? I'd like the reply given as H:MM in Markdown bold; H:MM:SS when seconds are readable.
**12:33**
